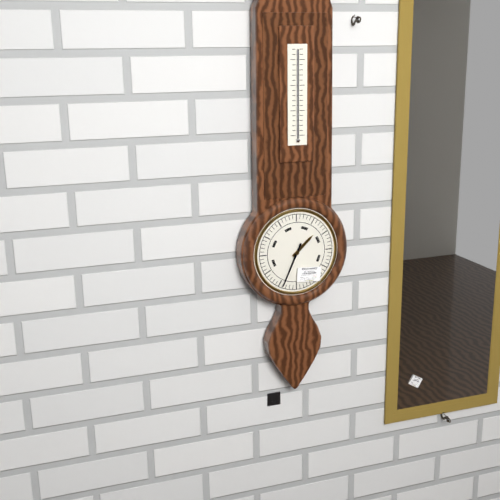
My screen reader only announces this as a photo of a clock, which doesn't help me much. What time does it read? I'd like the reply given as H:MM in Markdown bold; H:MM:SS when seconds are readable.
**1:34**
